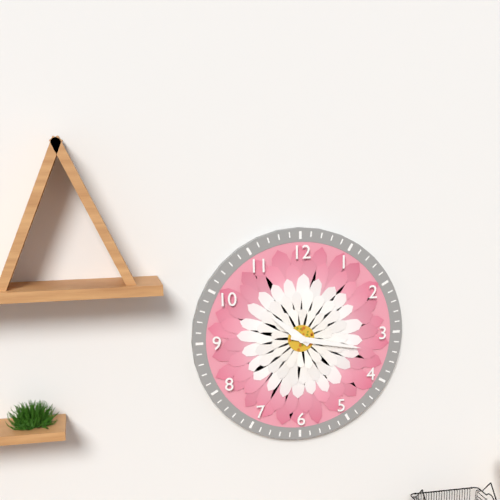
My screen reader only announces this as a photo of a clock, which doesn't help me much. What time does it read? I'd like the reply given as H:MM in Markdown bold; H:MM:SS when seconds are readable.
**10:17**
